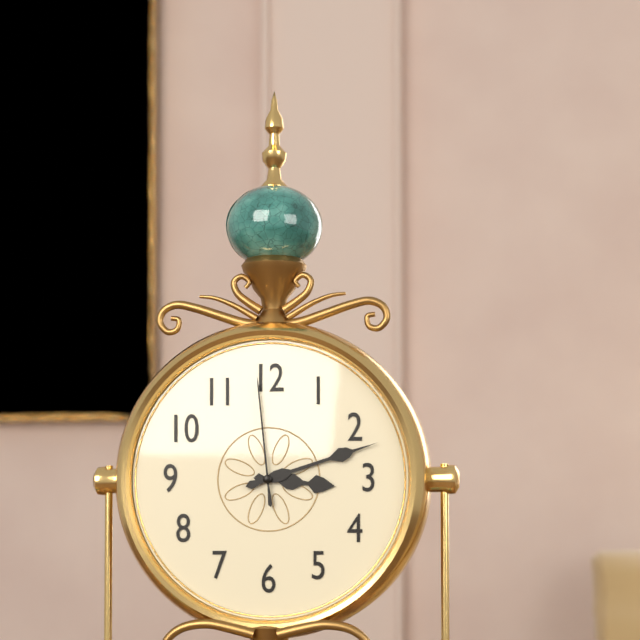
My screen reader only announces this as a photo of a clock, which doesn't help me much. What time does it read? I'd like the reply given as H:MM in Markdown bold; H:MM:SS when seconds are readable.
**3:12:59**
